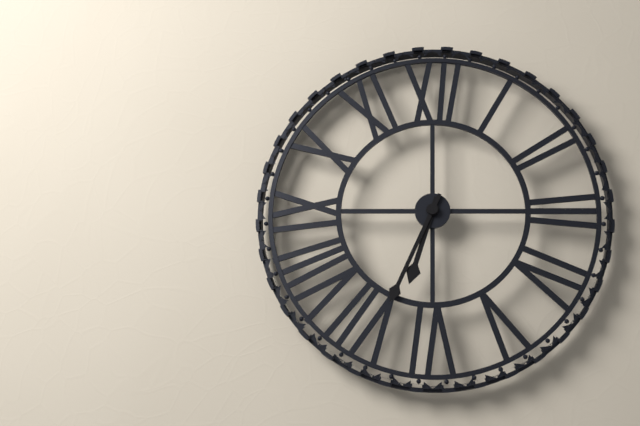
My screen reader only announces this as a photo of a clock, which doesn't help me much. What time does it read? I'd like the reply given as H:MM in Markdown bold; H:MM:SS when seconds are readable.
**6:34**
